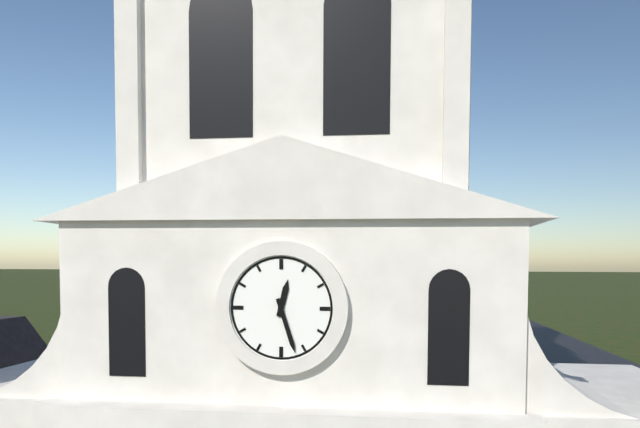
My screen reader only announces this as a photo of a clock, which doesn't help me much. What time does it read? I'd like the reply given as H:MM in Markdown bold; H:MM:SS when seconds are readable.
**12:27**
